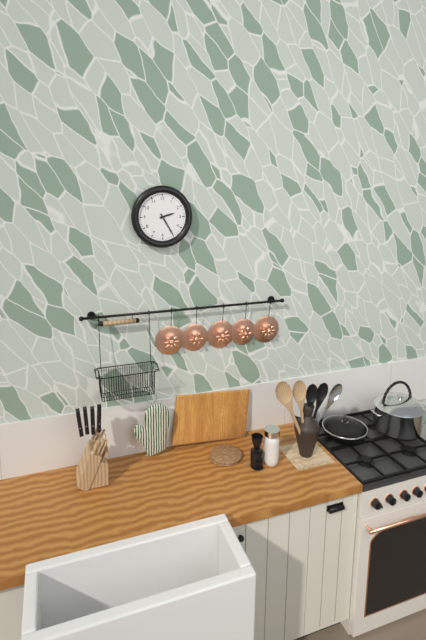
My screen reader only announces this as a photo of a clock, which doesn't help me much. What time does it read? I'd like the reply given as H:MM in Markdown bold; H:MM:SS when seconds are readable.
**2:25**
